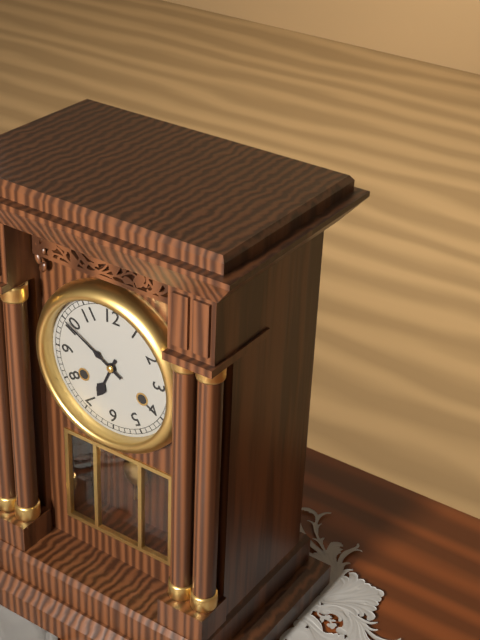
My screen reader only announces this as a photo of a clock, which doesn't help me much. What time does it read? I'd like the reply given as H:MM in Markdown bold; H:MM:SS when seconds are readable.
**6:50**
